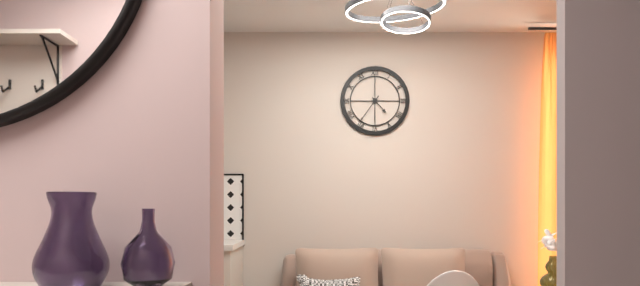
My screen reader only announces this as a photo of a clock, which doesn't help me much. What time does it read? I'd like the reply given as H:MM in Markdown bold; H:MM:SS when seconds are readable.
**4:36**
